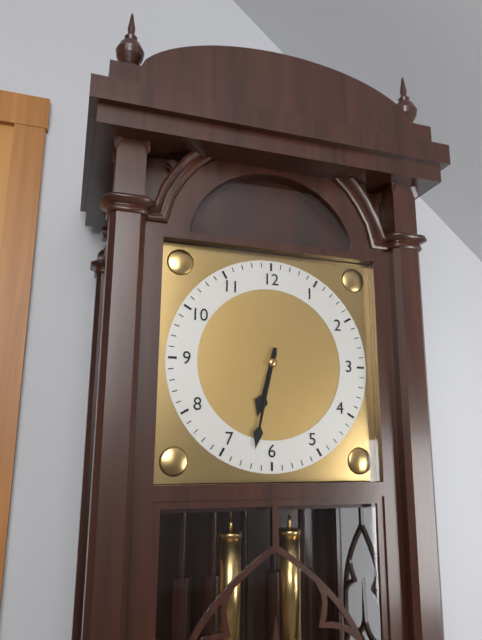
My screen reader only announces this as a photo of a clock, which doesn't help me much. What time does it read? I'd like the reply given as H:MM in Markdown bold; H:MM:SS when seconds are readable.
**6:32**
